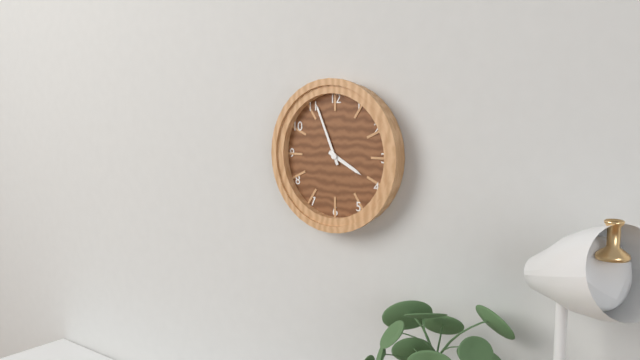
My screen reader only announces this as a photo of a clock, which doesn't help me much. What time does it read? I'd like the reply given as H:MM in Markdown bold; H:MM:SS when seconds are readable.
**3:56**
